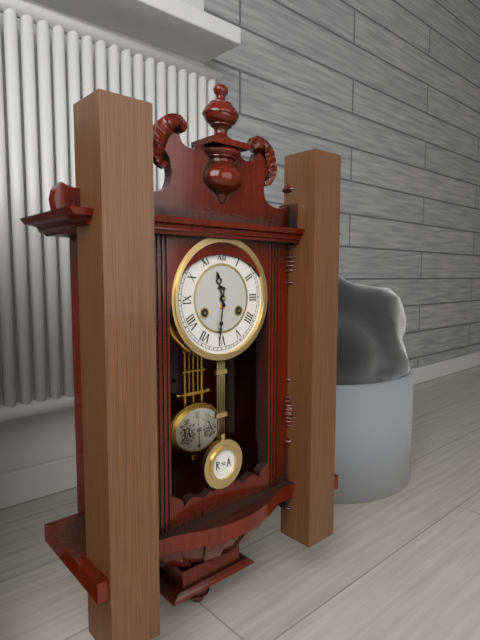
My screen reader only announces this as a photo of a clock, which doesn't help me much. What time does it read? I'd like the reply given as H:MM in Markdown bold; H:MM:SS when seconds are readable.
**11:31**
